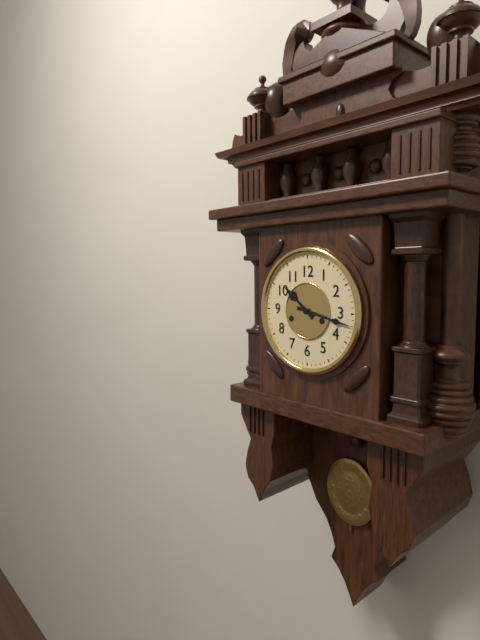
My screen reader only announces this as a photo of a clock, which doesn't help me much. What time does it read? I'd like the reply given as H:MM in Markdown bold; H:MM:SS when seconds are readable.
**10:17**
